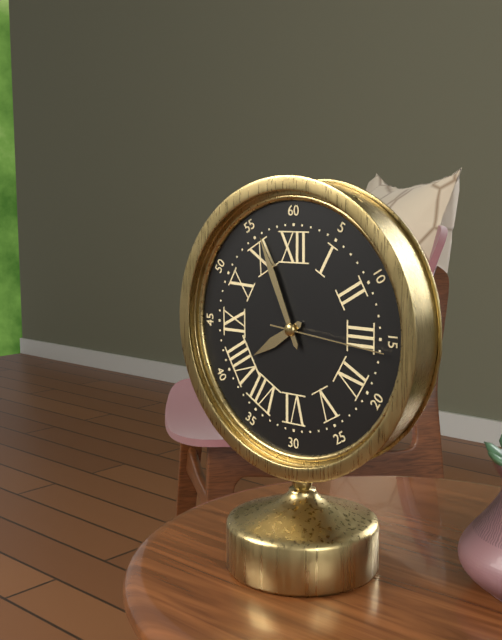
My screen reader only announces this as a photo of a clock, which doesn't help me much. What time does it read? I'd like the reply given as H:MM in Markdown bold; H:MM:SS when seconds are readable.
**7:56:16**
